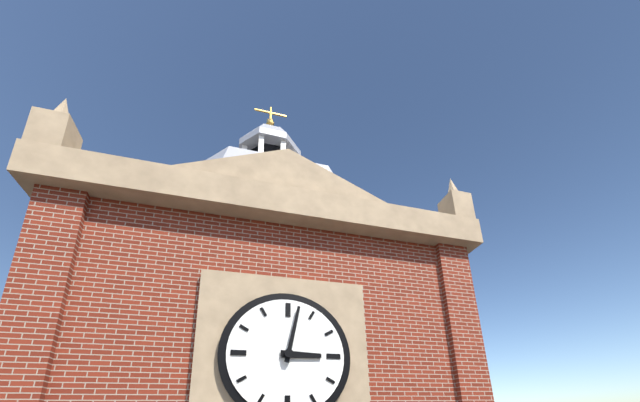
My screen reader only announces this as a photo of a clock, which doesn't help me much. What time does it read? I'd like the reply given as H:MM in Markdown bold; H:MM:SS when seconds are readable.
**3:02**
